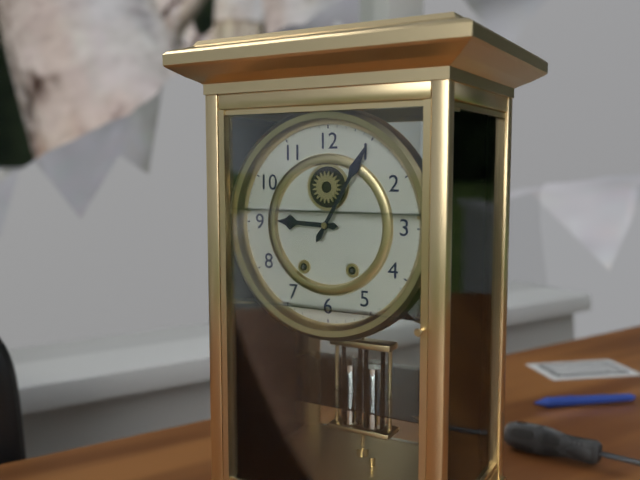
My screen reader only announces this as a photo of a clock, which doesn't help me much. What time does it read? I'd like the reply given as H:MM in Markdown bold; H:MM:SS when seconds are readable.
**9:05**
